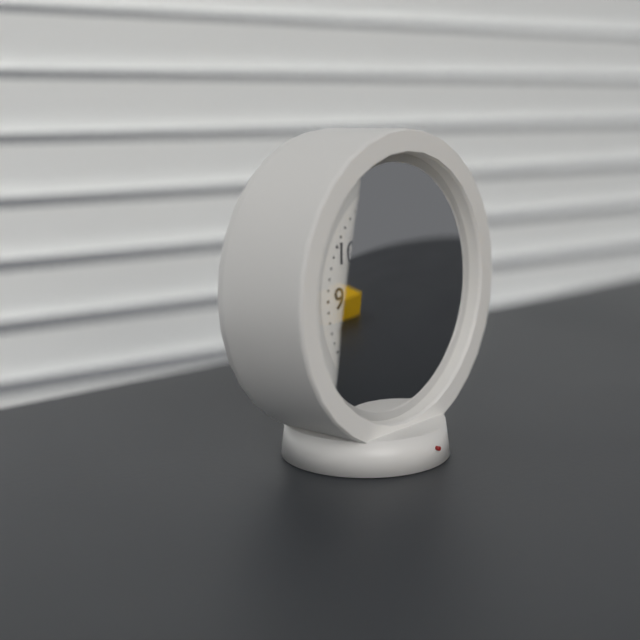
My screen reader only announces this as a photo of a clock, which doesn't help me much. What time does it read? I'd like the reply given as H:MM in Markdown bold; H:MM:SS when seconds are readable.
**1:42:36**
